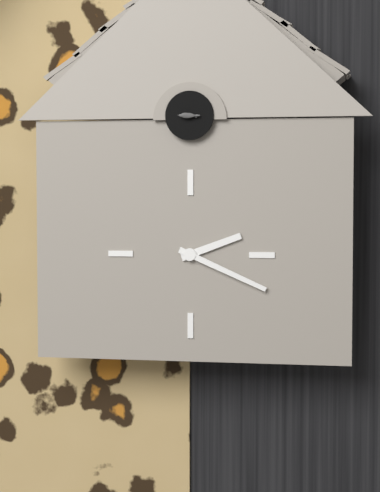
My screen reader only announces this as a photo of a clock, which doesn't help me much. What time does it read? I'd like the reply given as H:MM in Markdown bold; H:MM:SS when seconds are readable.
**2:19**
